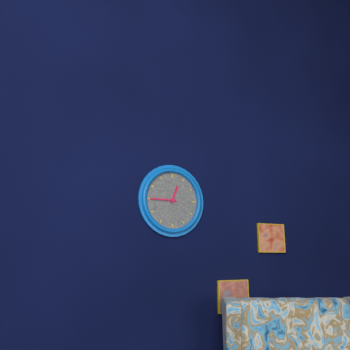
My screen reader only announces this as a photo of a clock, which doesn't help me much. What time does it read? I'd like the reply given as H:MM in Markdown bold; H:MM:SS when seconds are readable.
**12:45**
